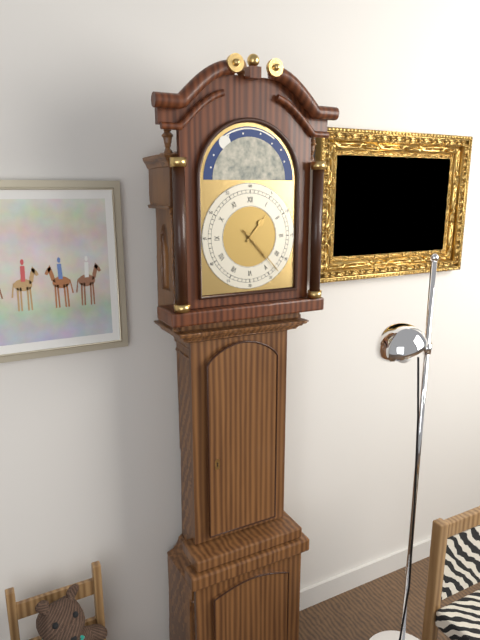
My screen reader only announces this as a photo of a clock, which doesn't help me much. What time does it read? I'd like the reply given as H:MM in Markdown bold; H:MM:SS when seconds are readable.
**1:23**
